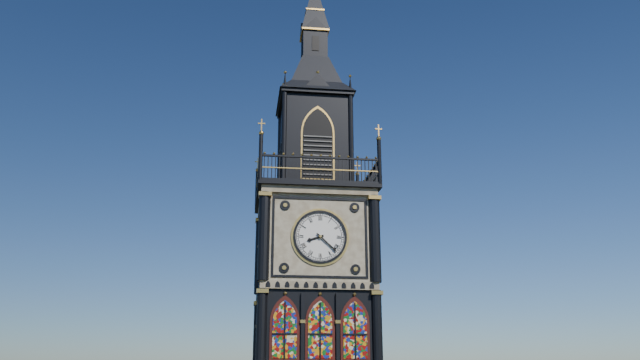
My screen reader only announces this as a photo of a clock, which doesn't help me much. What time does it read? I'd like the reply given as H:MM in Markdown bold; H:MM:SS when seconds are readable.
**8:22**
